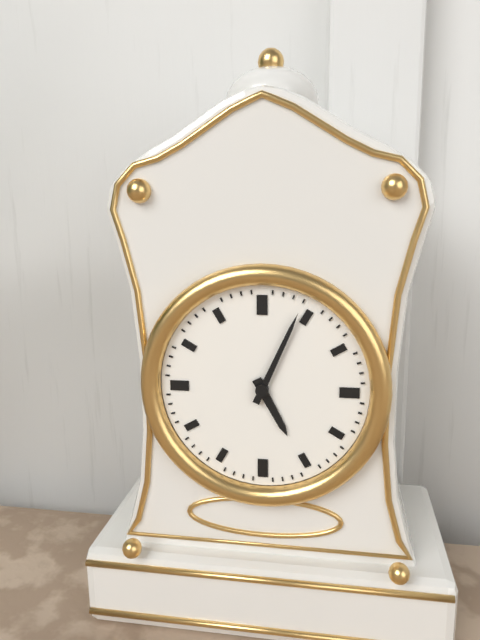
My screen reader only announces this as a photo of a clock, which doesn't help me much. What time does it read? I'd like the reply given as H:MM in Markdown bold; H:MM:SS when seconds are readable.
**5:04**
